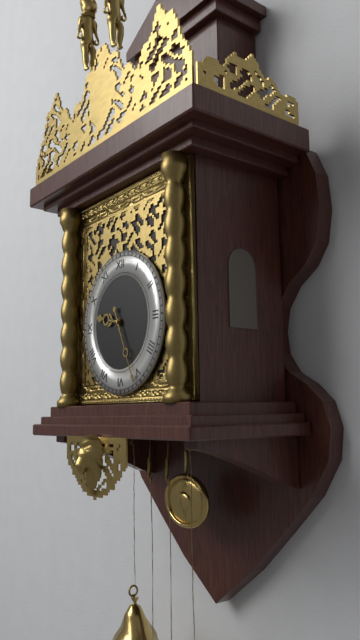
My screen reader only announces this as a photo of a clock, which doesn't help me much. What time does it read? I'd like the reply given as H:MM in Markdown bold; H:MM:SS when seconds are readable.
**9:26**
